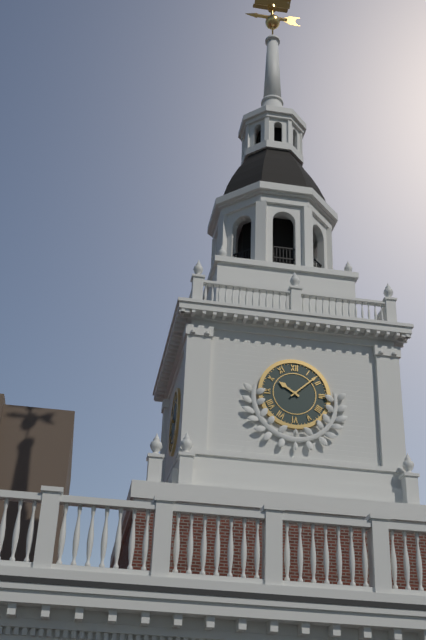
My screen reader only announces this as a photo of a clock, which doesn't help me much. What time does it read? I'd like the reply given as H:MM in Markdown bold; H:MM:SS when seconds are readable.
**10:08**
